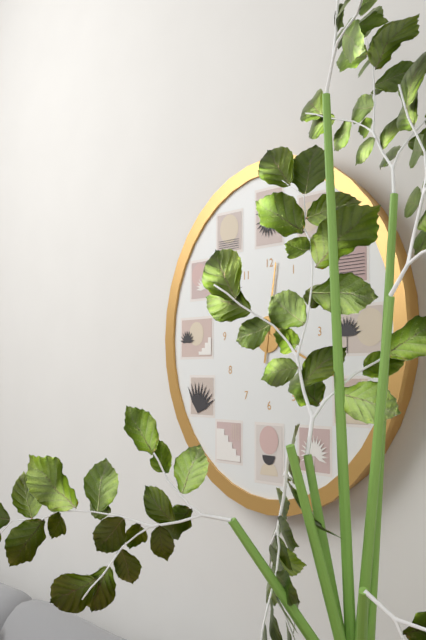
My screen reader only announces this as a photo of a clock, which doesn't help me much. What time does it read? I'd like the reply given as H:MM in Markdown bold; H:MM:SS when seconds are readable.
**12:19**
